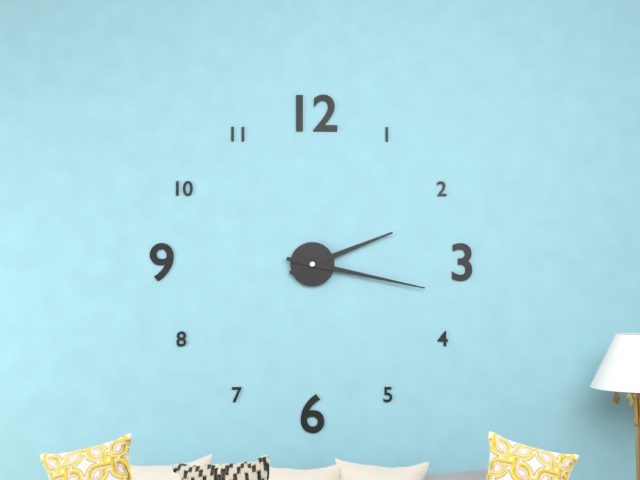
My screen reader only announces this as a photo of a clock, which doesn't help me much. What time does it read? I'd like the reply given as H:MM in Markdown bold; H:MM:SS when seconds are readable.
**2:17**
